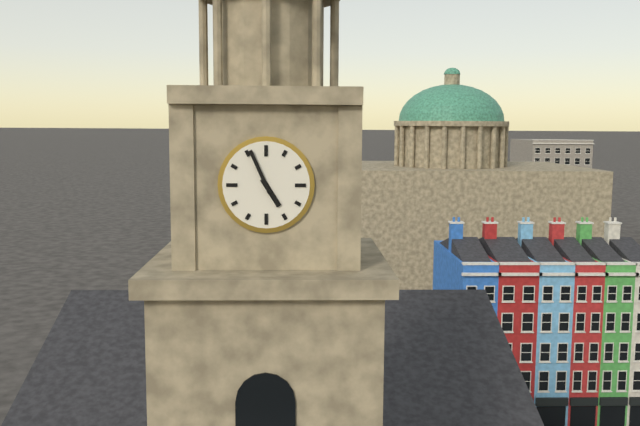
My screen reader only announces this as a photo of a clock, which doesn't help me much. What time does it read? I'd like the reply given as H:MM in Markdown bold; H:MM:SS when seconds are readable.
**4:56**
